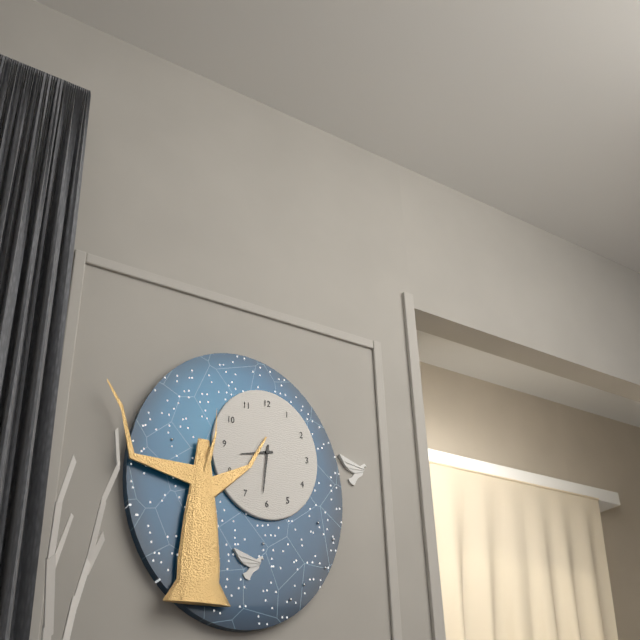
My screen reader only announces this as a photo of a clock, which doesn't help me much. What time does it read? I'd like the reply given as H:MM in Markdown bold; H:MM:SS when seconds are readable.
**8:31**
